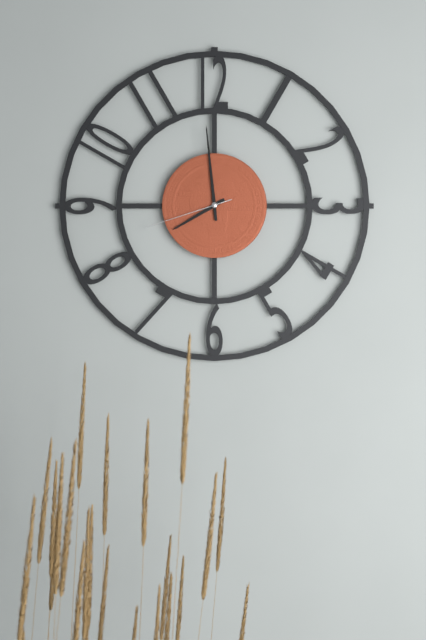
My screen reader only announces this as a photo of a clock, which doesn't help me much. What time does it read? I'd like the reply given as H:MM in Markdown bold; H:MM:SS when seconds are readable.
**7:59:42**
